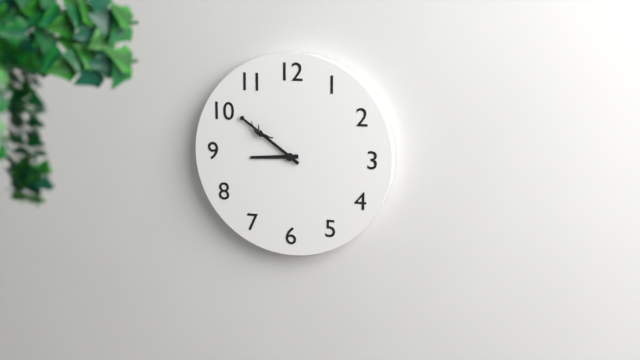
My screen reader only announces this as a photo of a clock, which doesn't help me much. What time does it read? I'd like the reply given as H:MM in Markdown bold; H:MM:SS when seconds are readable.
**8:51**
